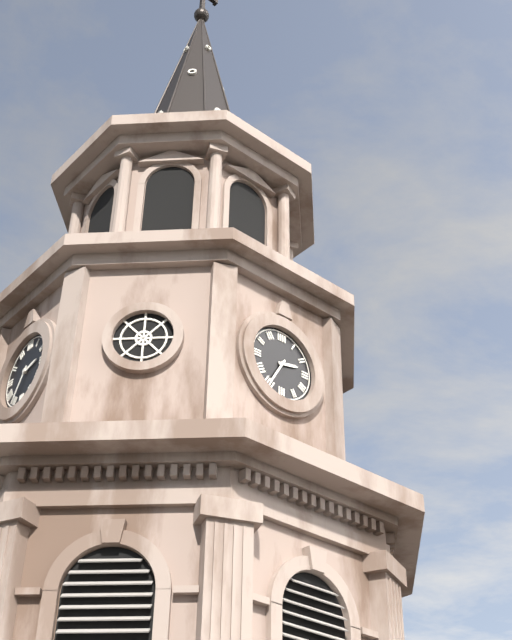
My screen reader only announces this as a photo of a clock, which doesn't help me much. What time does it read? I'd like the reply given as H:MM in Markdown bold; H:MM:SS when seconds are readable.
**2:35**
